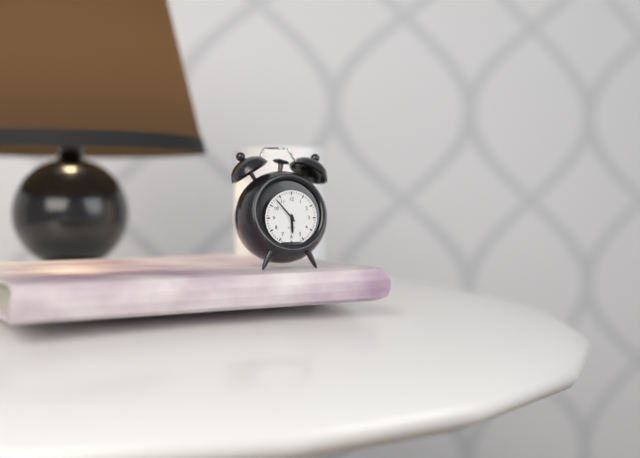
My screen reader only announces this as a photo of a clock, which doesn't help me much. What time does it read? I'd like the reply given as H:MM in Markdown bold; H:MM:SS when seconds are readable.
**5:53**
